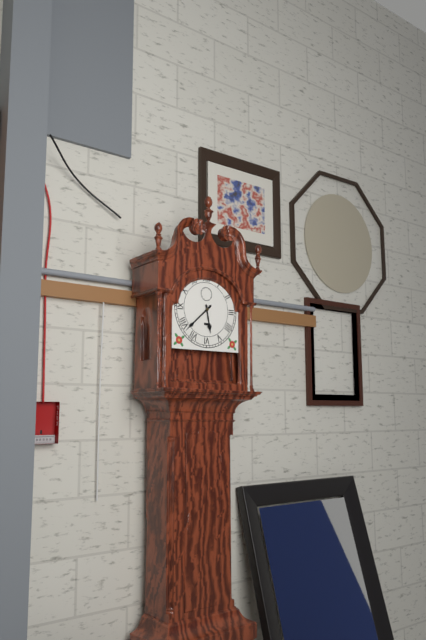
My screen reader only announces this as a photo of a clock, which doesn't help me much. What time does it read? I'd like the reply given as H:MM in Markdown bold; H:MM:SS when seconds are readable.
**5:38**
